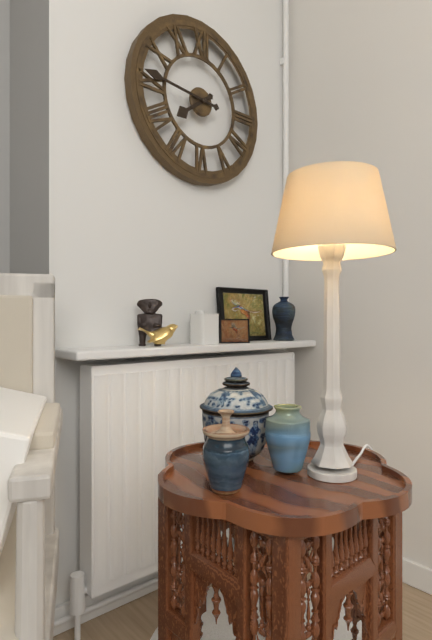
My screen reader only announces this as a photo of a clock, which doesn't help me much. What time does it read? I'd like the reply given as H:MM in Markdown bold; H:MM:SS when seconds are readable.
**7:46**
